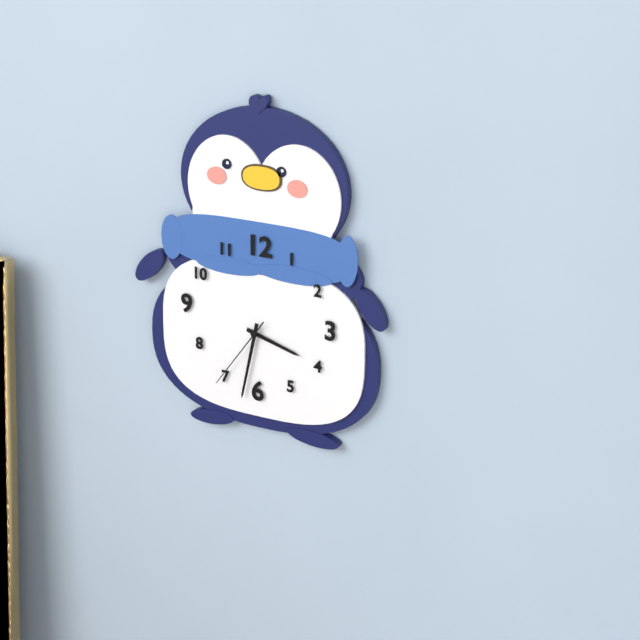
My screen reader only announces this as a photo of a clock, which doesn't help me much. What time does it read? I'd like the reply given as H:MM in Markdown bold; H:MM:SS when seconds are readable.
**3:32:36**
